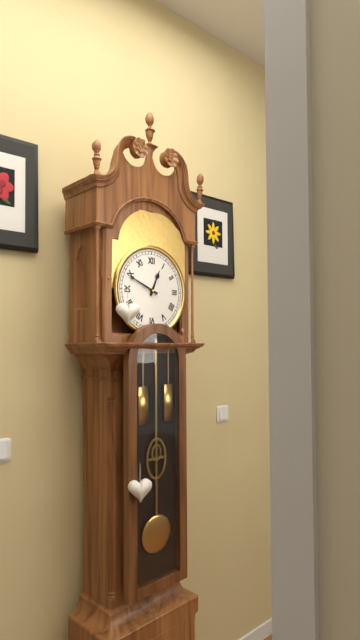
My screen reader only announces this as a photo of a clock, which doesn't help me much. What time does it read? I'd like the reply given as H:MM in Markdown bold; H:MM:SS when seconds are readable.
**12:49**
